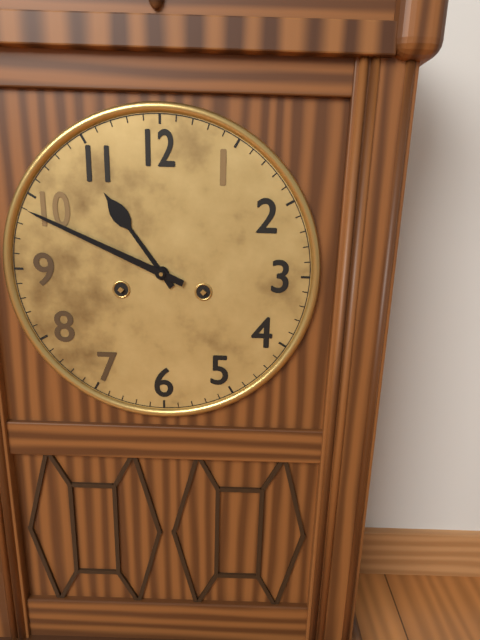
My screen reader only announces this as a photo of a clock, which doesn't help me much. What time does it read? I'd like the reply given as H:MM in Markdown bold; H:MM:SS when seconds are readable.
**10:49**
